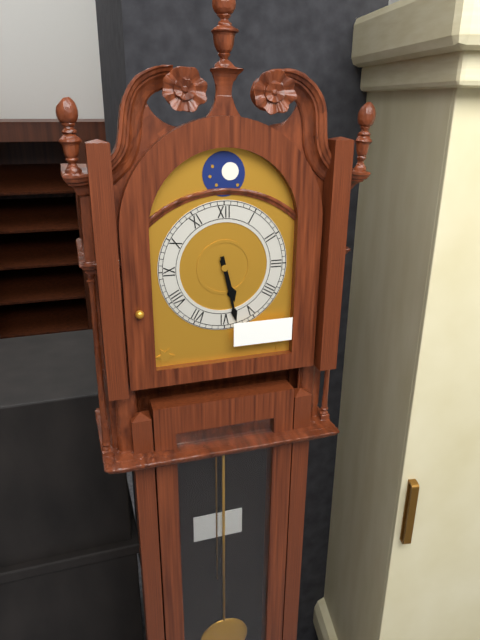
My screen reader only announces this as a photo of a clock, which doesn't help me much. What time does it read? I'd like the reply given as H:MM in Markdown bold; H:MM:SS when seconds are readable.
**5:28**
